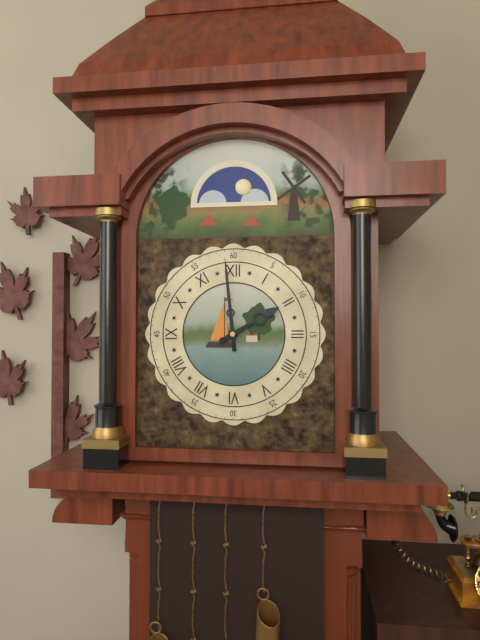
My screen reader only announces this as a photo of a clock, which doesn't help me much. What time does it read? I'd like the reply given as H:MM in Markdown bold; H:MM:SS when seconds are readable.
**1:59**
